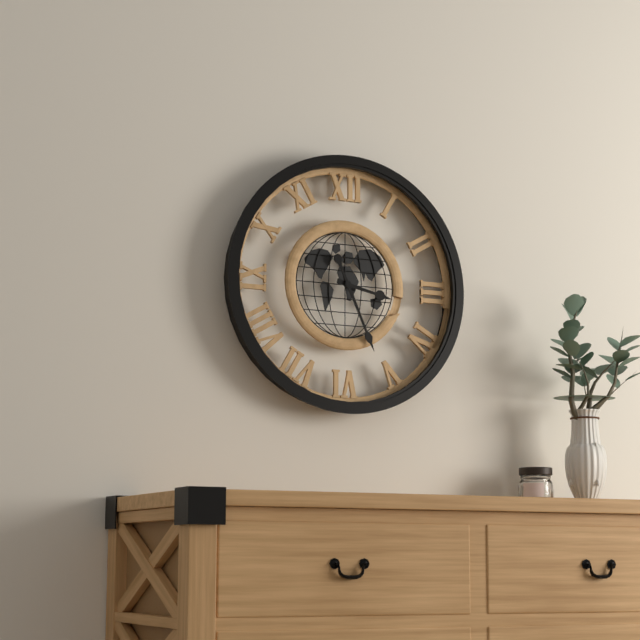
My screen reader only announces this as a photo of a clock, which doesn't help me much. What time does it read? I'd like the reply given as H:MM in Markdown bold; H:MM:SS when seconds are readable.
**3:26**
